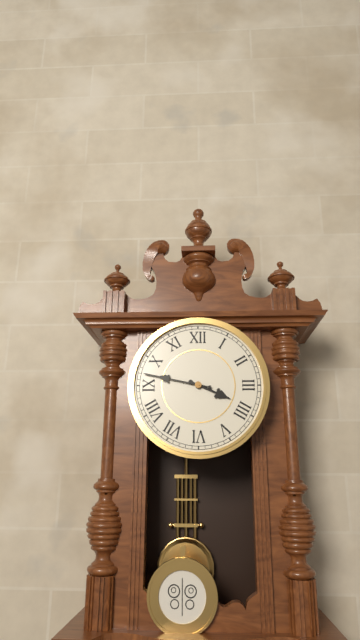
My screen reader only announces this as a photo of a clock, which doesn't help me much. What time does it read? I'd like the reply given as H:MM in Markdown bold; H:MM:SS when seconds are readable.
**3:47**
